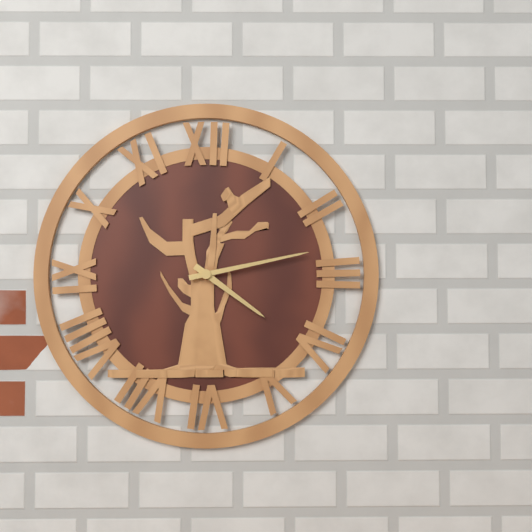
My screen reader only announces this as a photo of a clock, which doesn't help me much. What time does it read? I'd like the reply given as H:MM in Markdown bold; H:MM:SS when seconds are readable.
**4:13**
